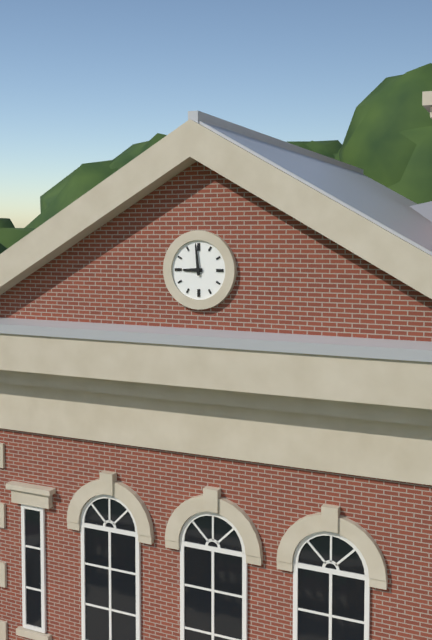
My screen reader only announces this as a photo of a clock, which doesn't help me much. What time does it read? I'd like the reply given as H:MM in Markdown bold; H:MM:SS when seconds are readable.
**8:59**
